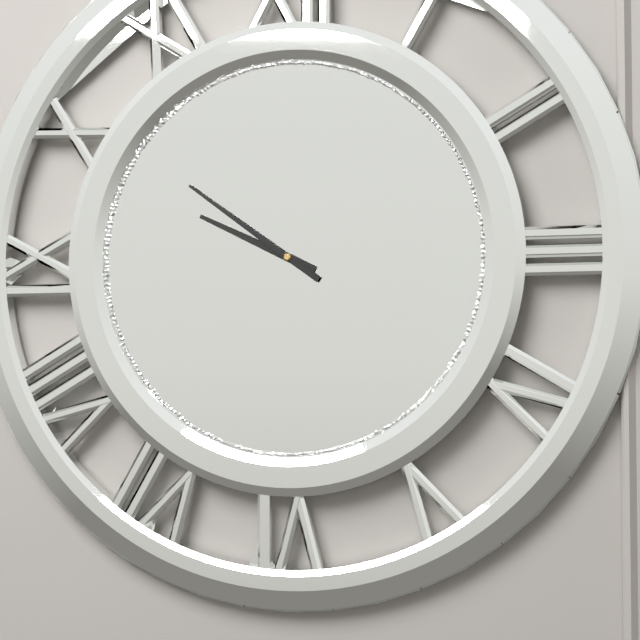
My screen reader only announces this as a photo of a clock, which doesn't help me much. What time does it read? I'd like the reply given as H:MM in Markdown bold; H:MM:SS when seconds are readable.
**9:51**
